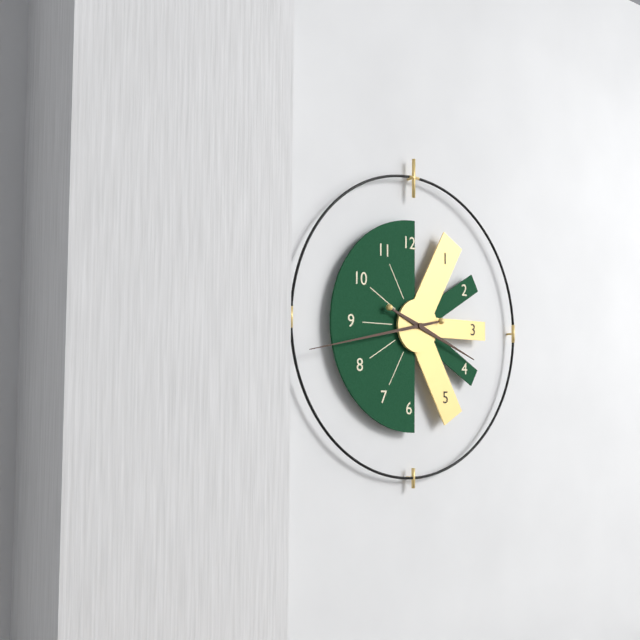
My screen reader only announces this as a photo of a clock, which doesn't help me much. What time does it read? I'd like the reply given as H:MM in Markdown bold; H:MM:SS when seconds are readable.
**3:43**
